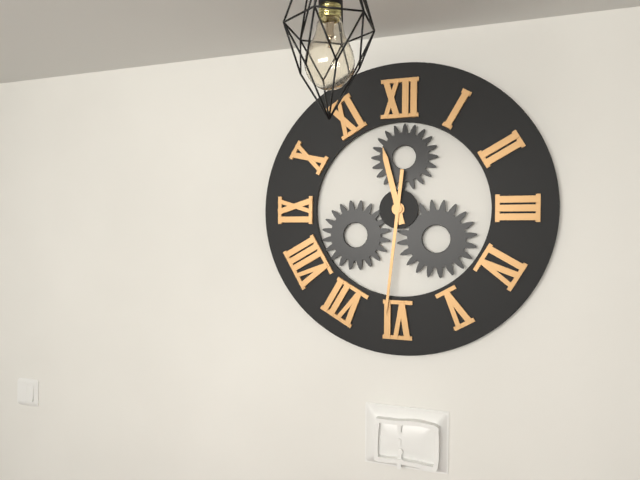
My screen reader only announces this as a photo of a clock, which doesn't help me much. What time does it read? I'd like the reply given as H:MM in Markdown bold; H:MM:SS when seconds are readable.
**11:31**
